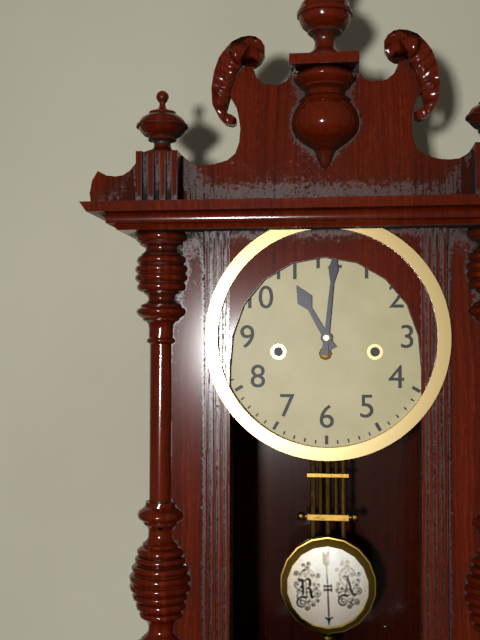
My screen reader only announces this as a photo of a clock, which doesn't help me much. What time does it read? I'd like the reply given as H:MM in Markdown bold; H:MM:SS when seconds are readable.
**11:01**
